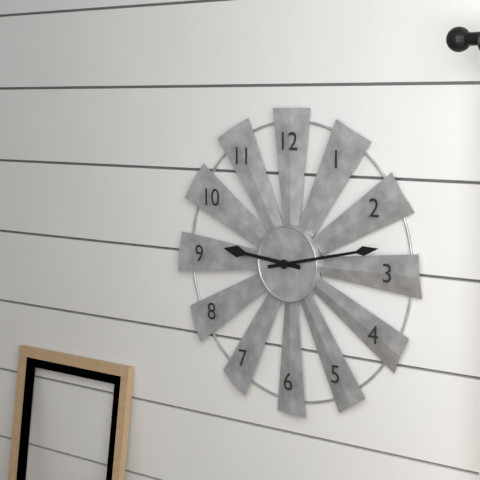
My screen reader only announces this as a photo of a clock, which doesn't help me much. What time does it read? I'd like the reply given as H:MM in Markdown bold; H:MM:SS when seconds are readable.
**9:13**
